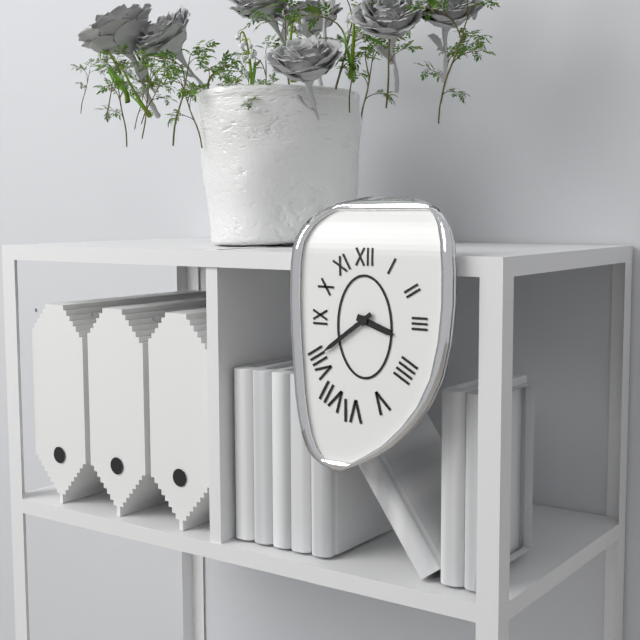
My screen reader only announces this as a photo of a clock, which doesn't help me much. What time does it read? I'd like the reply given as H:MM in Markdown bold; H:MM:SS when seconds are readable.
**3:39**
